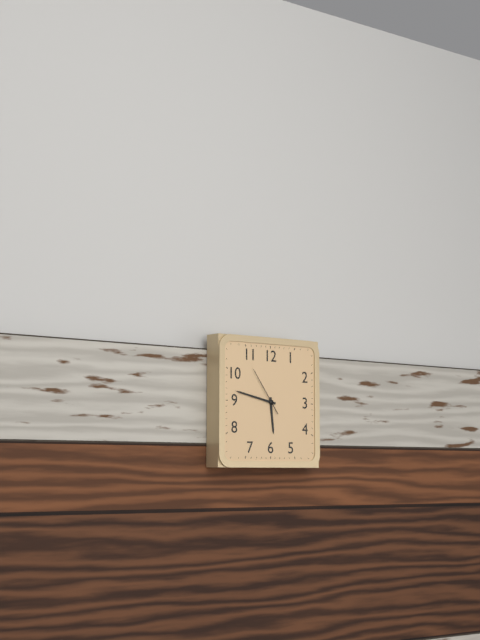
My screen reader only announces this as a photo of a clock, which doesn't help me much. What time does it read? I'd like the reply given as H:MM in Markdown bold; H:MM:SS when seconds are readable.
**5:47**
